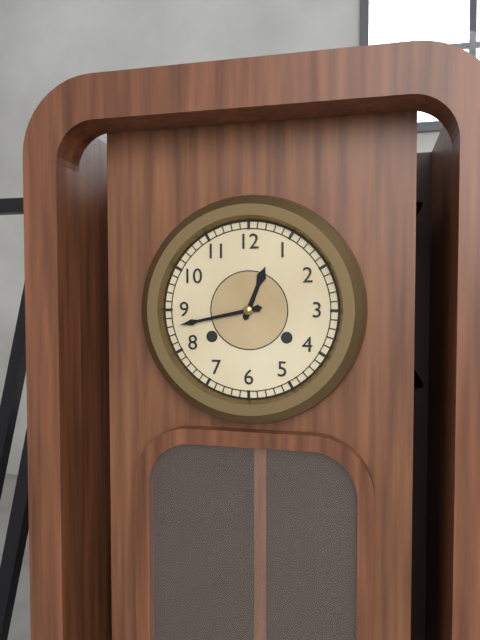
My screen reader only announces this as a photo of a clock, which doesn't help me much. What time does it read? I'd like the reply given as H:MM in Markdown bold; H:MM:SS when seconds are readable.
**12:43**
